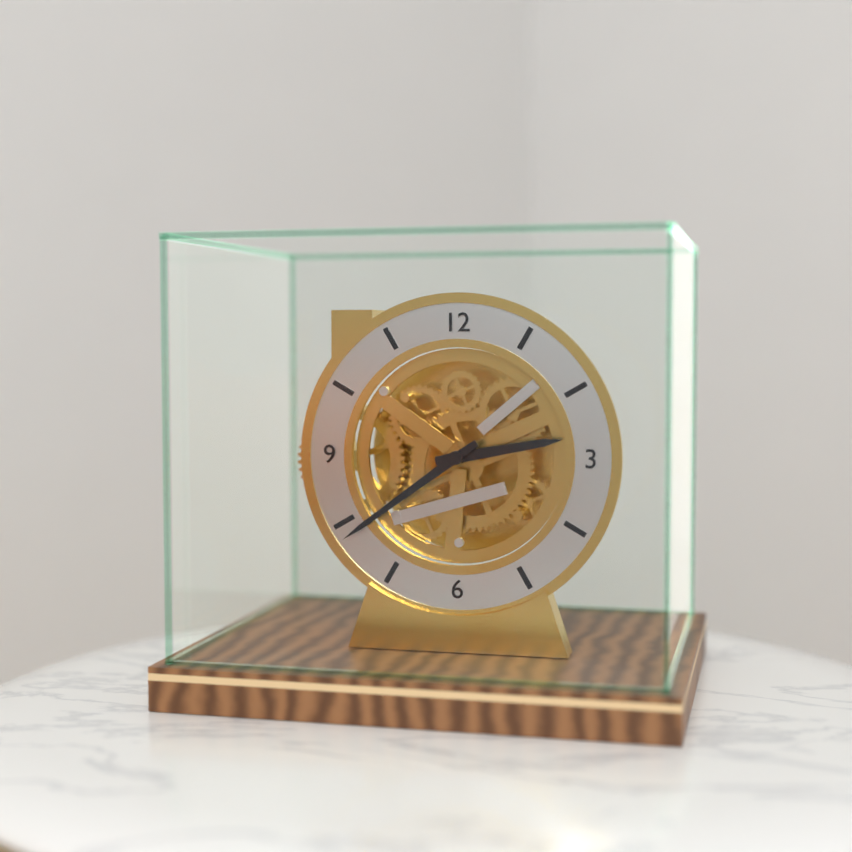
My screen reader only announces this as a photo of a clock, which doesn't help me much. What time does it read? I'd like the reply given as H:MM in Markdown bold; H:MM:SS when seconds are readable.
**2:39**
